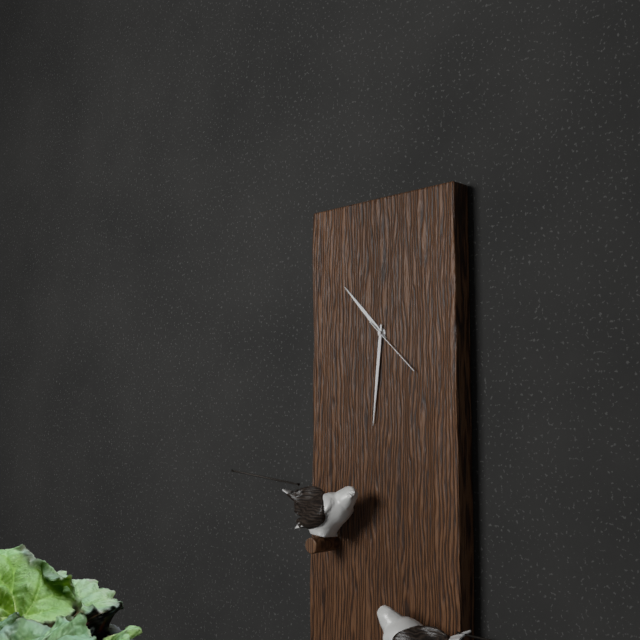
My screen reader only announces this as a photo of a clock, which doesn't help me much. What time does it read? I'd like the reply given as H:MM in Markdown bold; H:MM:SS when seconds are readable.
**10:31:22**
